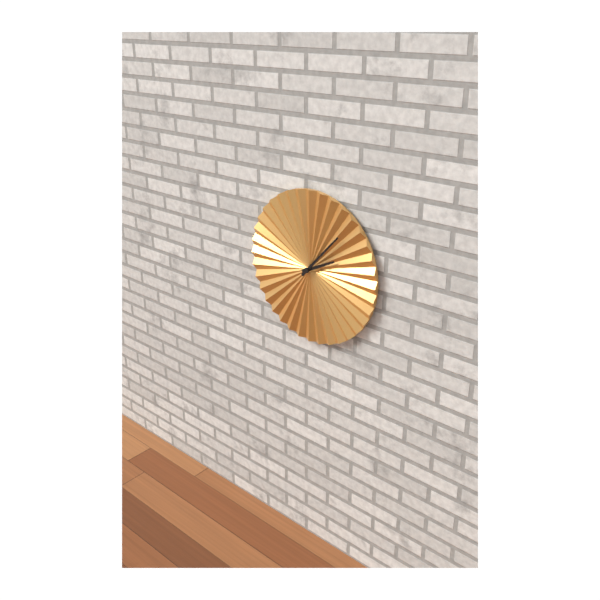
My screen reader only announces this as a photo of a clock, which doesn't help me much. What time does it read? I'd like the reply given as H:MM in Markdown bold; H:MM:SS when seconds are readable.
**2:07**
